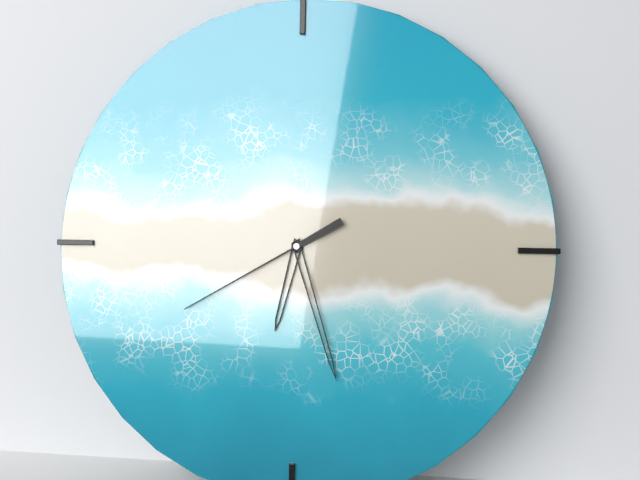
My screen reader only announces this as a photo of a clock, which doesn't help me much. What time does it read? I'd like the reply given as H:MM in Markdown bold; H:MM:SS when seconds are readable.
**6:27:40**
